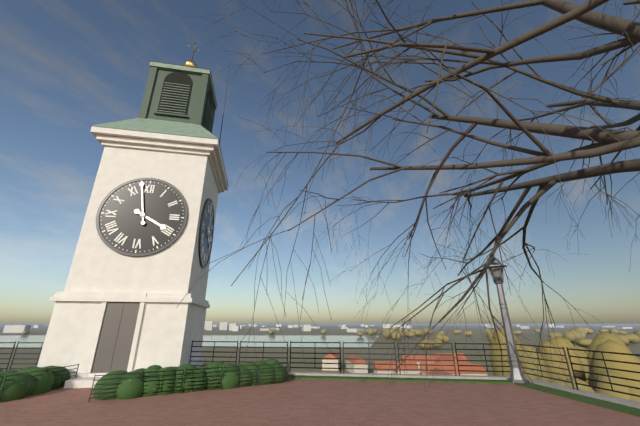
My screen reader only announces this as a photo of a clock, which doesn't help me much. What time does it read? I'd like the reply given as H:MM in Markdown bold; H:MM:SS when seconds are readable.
**3:58**
